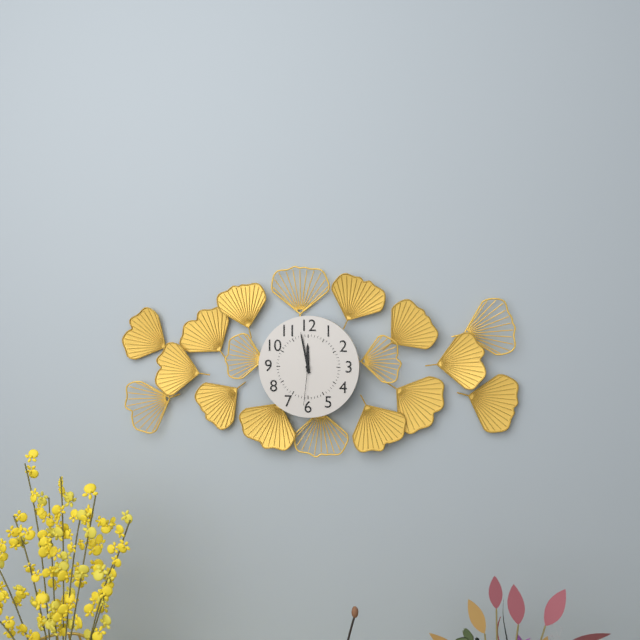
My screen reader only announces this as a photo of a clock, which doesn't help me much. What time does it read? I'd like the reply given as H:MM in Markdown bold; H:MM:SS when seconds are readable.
**11:58**
